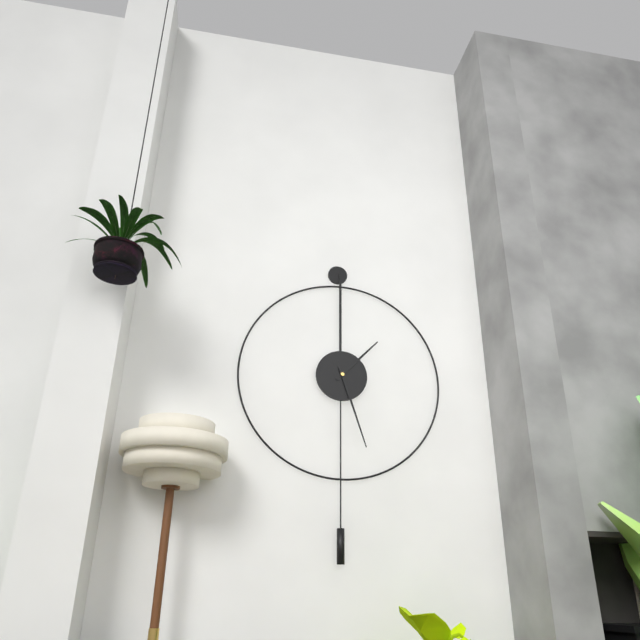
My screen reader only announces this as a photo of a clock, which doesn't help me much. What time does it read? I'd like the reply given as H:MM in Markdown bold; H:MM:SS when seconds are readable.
**1:27**
